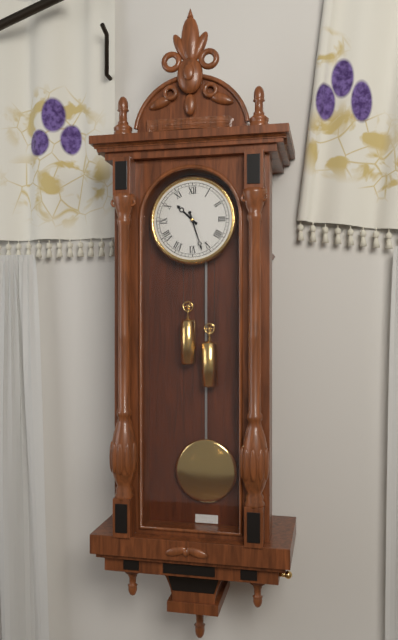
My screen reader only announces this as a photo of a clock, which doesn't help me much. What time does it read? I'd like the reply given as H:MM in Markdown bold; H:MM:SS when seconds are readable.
**10:27**
